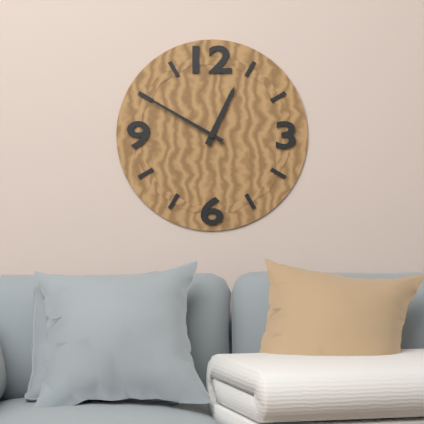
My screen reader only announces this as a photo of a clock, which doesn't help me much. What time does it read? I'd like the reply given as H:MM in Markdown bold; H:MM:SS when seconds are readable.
**12:50**
